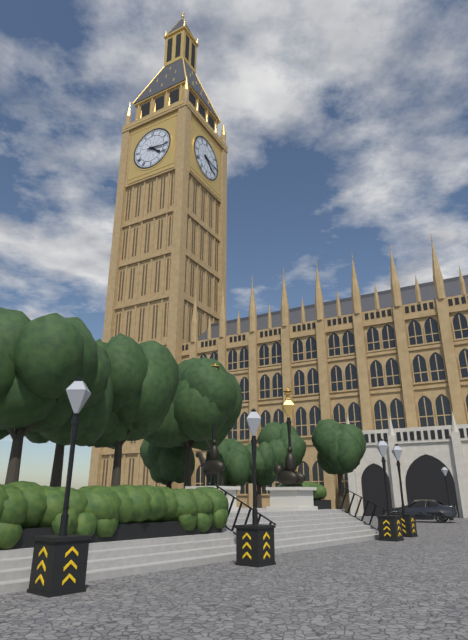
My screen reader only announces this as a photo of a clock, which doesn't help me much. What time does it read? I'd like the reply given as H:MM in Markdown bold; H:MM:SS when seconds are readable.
**4:16**
